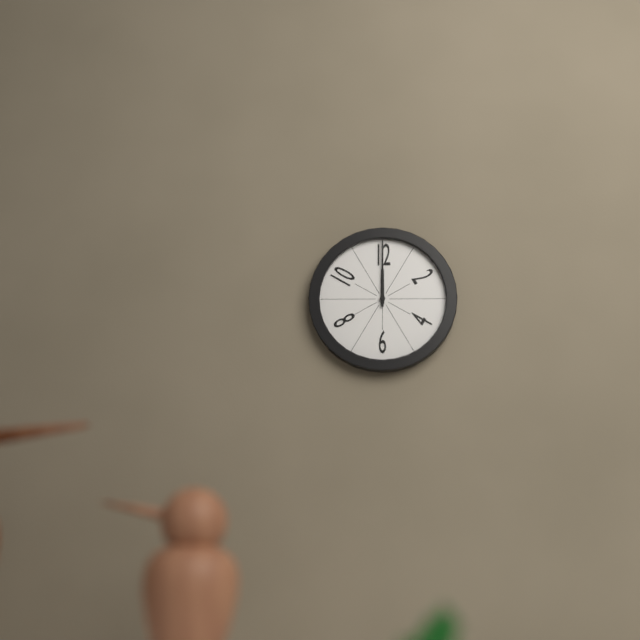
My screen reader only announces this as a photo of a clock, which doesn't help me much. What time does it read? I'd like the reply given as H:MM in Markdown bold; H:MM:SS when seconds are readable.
**12:00**
